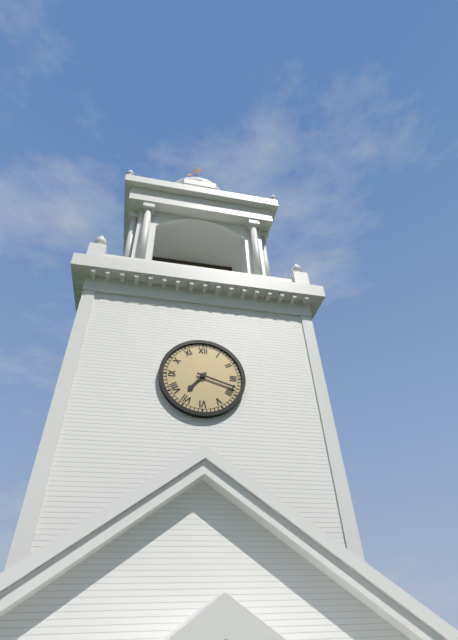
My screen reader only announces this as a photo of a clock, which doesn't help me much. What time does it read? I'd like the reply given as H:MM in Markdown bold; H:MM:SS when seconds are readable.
**7:18**
